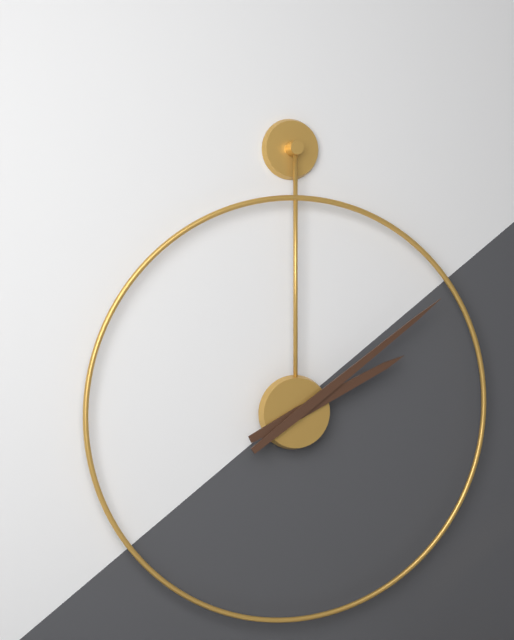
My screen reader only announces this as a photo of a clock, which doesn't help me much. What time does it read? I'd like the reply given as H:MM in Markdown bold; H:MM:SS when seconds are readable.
**2:09**
